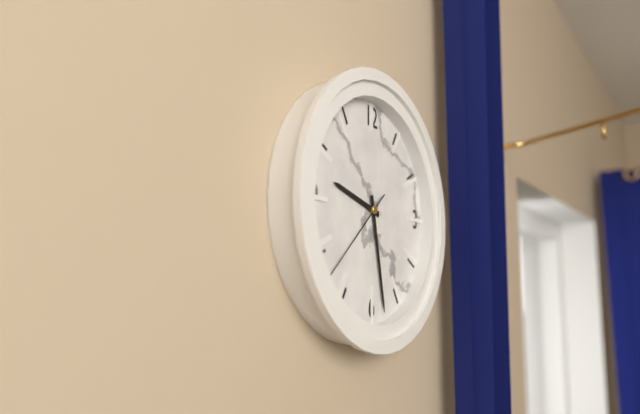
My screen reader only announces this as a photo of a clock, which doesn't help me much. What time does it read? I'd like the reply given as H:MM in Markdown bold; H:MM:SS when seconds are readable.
**9:28:38**
